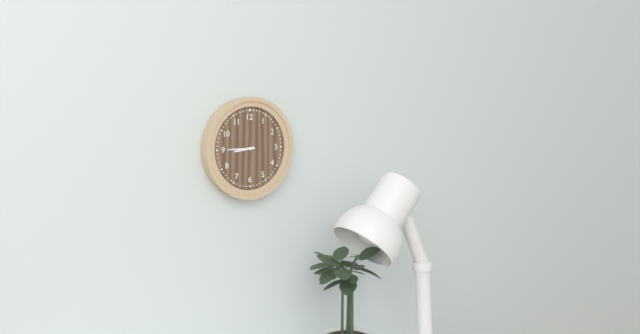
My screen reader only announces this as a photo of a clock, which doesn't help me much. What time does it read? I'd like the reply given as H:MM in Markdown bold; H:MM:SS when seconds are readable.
**8:45**
